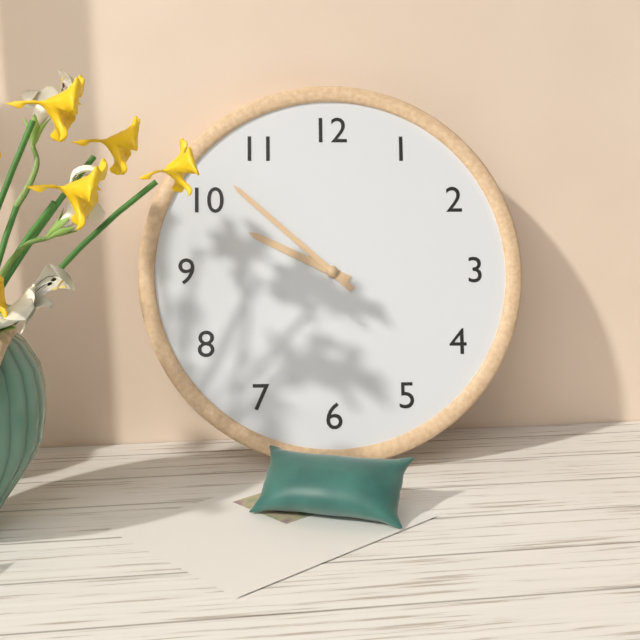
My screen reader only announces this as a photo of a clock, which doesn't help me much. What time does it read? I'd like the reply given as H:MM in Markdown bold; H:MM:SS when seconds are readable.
**9:52**
